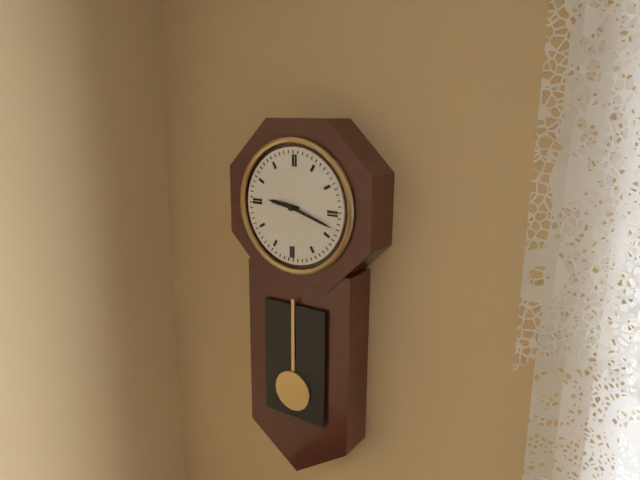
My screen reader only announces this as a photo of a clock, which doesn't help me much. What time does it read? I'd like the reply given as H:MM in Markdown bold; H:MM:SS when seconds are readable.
**9:18**
